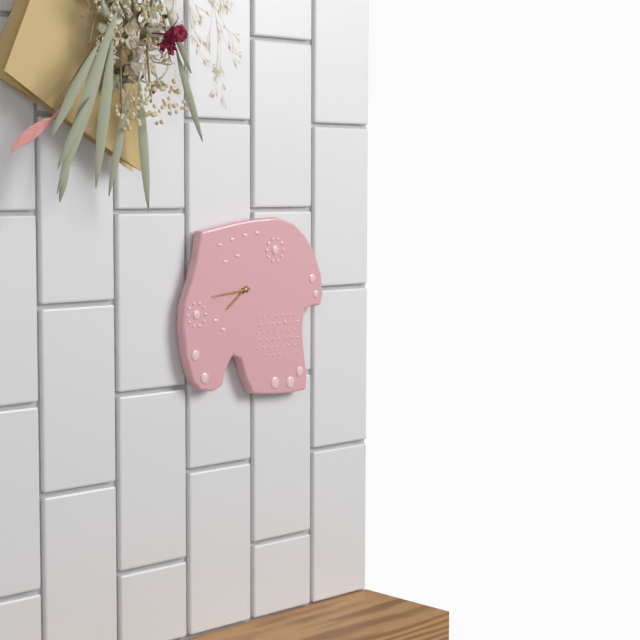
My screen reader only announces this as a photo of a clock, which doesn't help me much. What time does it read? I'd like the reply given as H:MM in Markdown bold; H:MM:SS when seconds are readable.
**7:44**
